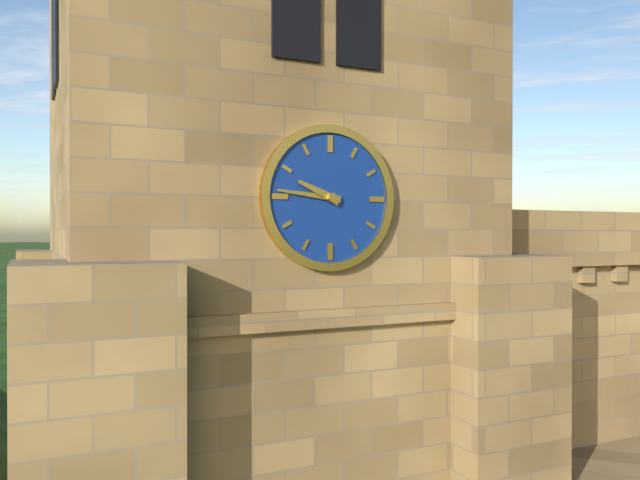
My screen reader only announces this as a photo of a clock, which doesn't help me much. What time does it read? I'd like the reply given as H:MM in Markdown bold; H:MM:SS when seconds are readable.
**9:46**
